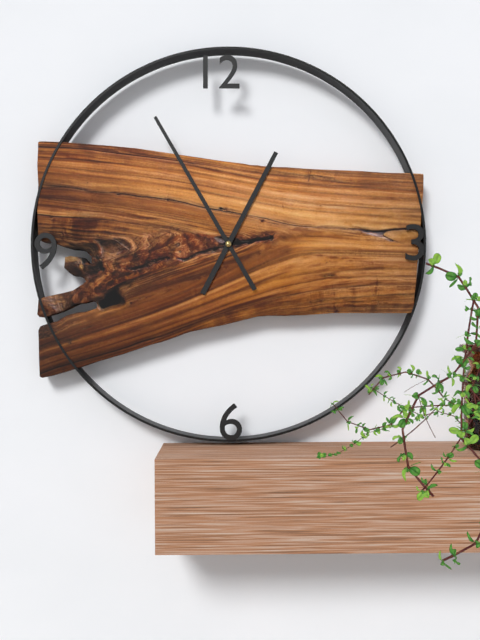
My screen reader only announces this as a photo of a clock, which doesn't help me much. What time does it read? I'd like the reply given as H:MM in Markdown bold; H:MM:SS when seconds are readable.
**12:55**
